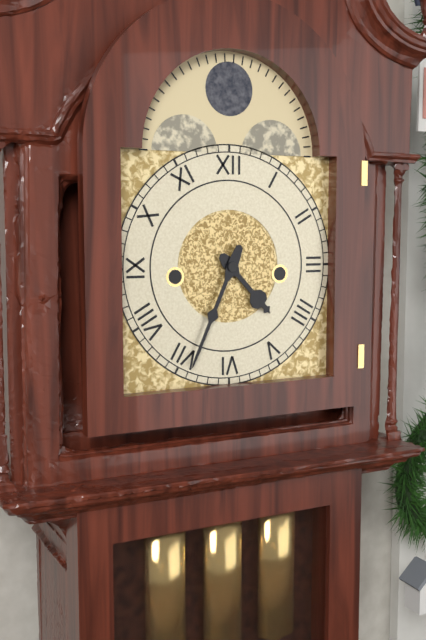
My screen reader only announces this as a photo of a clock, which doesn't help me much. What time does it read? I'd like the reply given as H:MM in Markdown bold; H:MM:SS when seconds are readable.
**4:34**
